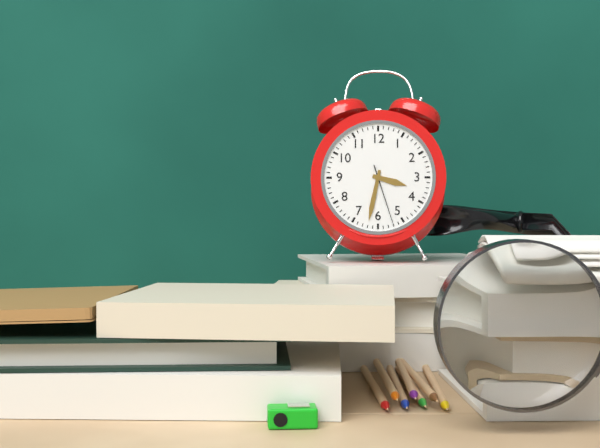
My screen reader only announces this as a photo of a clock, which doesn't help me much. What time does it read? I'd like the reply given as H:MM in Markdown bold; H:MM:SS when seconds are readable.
**3:32:27**
